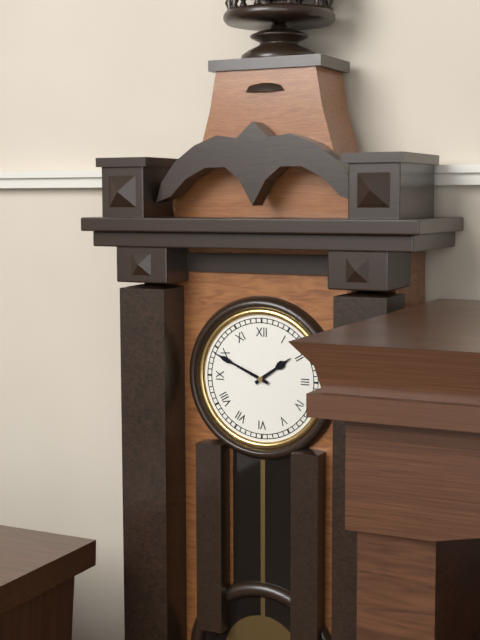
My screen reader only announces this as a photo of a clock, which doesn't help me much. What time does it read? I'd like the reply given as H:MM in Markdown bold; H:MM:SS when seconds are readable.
**1:49**
